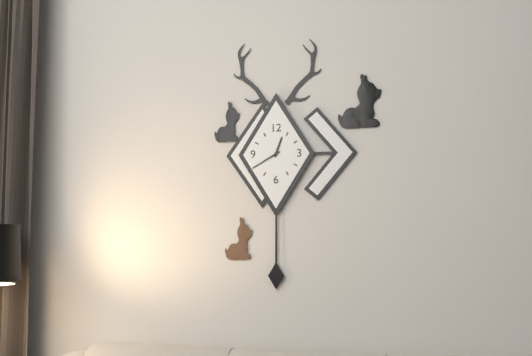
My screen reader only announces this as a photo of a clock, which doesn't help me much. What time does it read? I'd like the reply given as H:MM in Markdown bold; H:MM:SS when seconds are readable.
**12:40**
